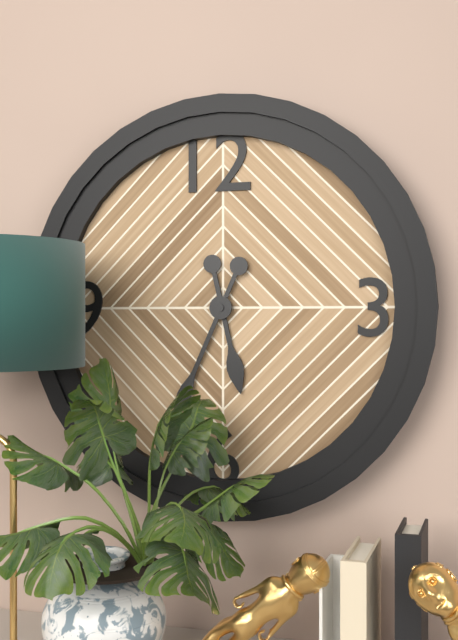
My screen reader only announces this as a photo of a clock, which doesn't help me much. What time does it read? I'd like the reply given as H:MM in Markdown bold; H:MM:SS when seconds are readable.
**5:34**
